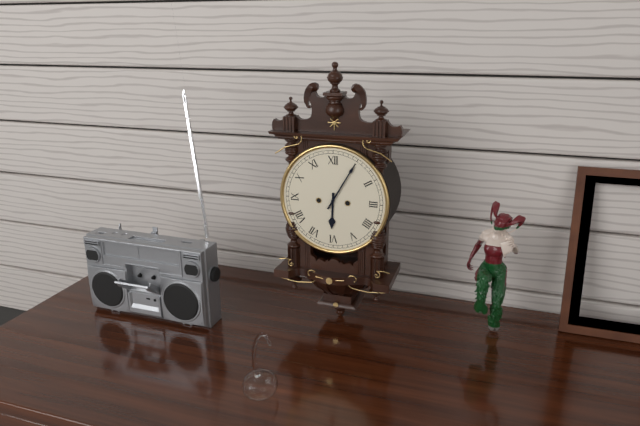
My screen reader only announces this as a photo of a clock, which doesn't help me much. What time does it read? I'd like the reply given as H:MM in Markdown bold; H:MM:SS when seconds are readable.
**6:05**
